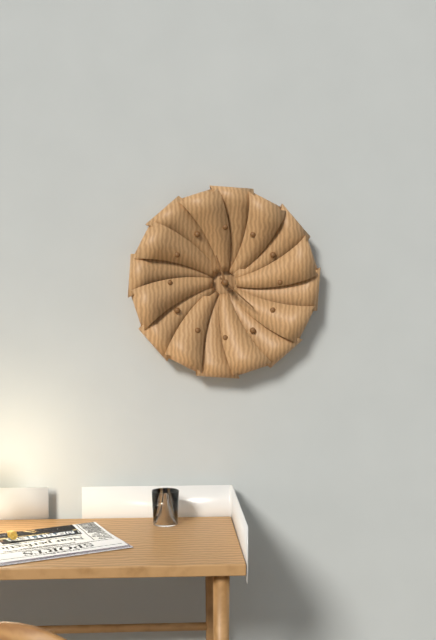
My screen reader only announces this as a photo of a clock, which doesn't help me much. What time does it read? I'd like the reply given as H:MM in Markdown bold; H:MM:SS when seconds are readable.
**11:22**
